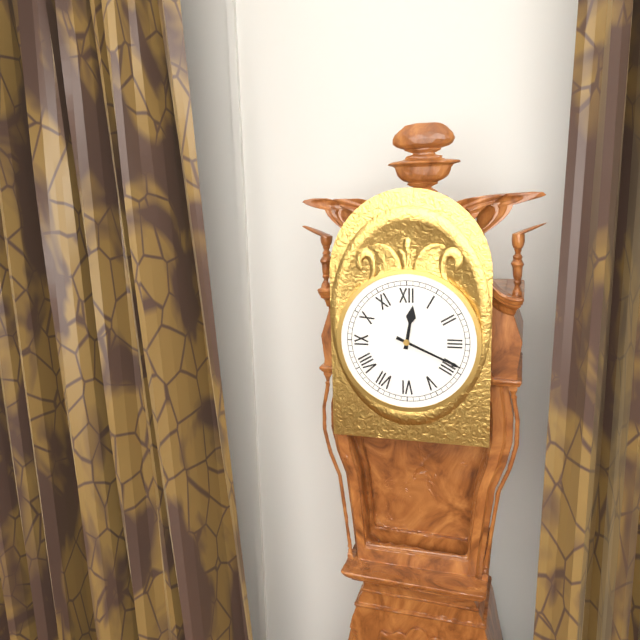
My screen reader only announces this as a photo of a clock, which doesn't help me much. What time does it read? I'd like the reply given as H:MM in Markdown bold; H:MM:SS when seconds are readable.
**12:19**
